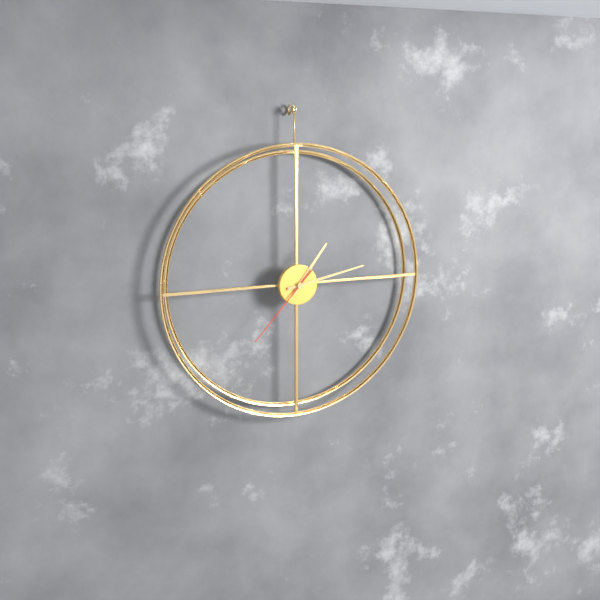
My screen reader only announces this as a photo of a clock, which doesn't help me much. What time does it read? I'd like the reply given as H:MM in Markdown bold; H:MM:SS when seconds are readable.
**1:13:37**
